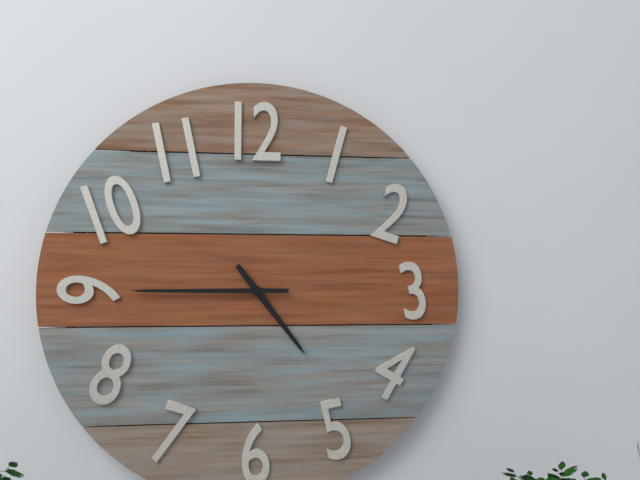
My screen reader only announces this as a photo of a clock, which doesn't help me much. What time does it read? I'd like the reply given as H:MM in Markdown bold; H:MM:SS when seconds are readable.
**4:45**
